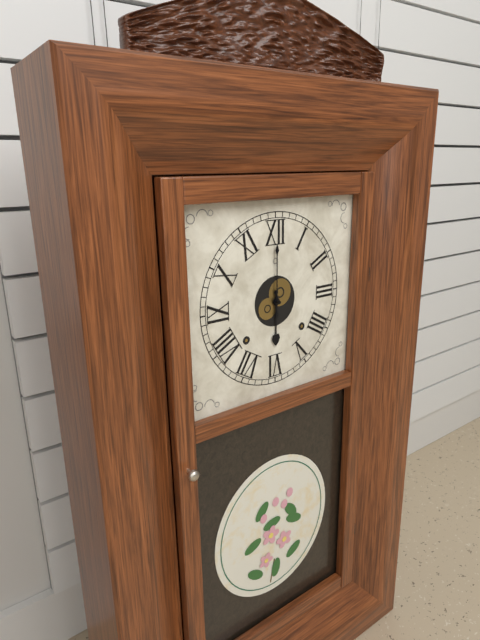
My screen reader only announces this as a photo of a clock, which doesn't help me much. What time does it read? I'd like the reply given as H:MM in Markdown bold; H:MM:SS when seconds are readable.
**6:00**
